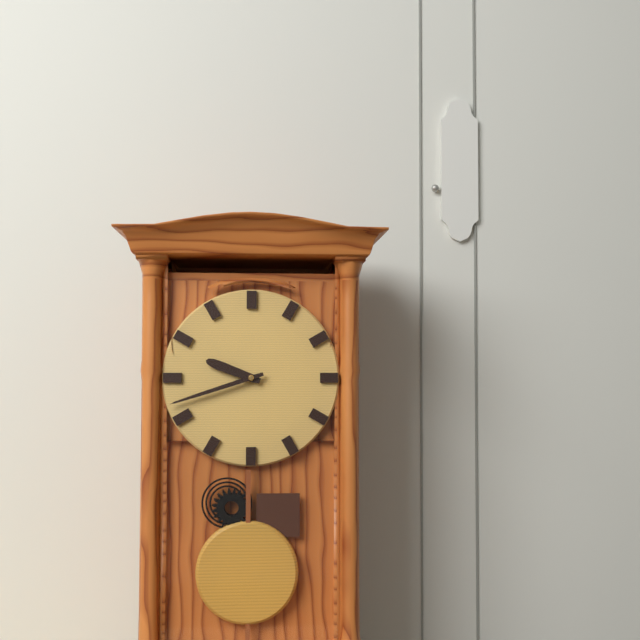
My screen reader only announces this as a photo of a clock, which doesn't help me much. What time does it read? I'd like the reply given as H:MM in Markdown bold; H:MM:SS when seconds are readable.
**9:42**
